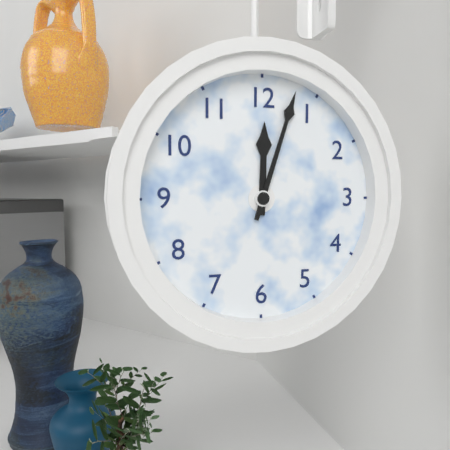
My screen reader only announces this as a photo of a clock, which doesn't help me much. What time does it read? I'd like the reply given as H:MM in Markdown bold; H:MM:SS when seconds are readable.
**12:03**
